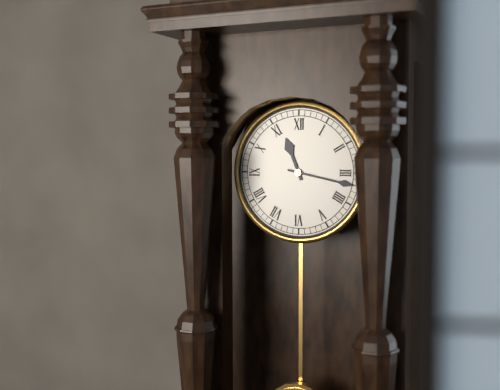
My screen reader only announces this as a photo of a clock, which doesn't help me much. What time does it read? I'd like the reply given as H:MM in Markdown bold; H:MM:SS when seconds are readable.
**11:17**
